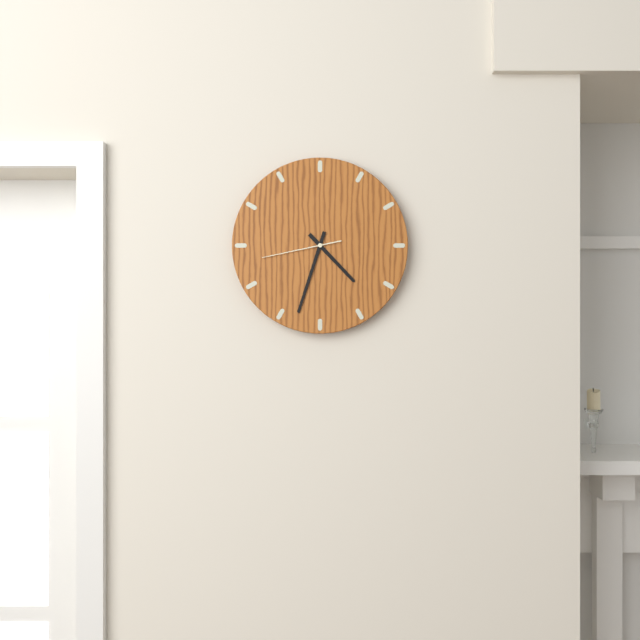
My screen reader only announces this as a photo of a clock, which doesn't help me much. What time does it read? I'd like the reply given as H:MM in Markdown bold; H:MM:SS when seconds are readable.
**4:33:43**
